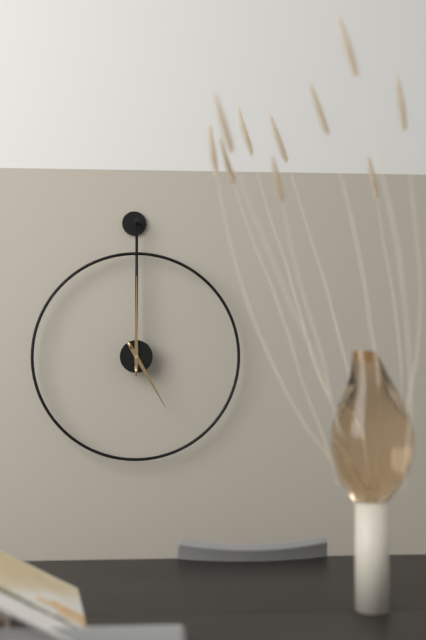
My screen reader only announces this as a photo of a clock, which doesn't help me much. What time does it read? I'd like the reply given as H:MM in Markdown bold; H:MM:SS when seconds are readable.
**5:00**
